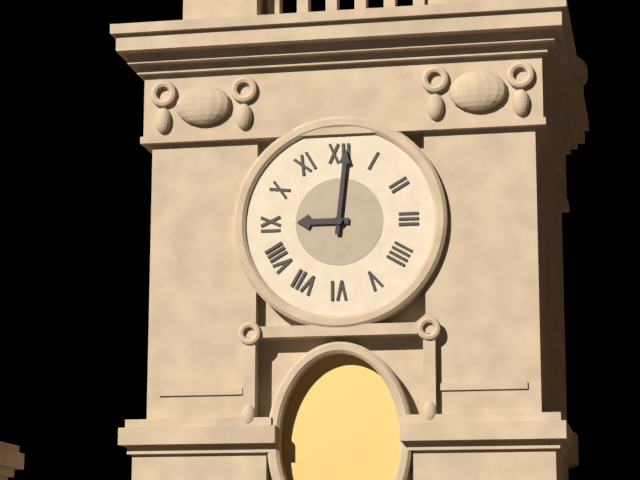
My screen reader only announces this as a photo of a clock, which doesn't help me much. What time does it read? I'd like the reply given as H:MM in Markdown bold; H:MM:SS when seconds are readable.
**9:01**
